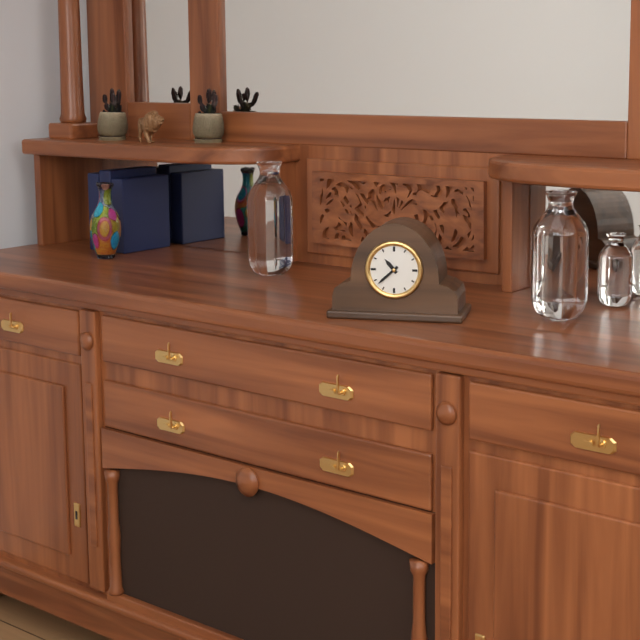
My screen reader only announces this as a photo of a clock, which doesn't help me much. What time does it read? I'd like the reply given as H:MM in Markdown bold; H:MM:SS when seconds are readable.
**10:38**
